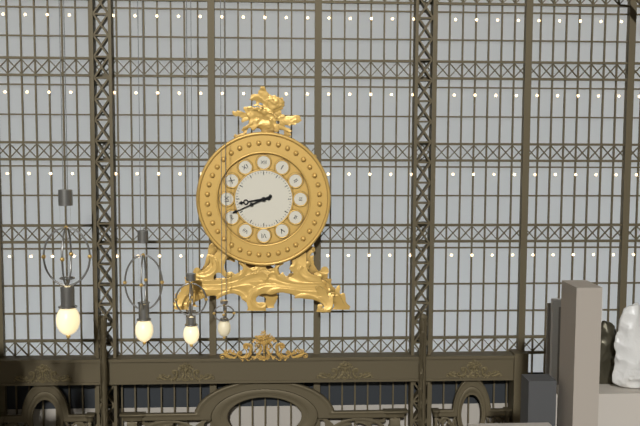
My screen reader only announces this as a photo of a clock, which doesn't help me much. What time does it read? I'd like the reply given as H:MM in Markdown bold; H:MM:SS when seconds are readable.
**8:41**
